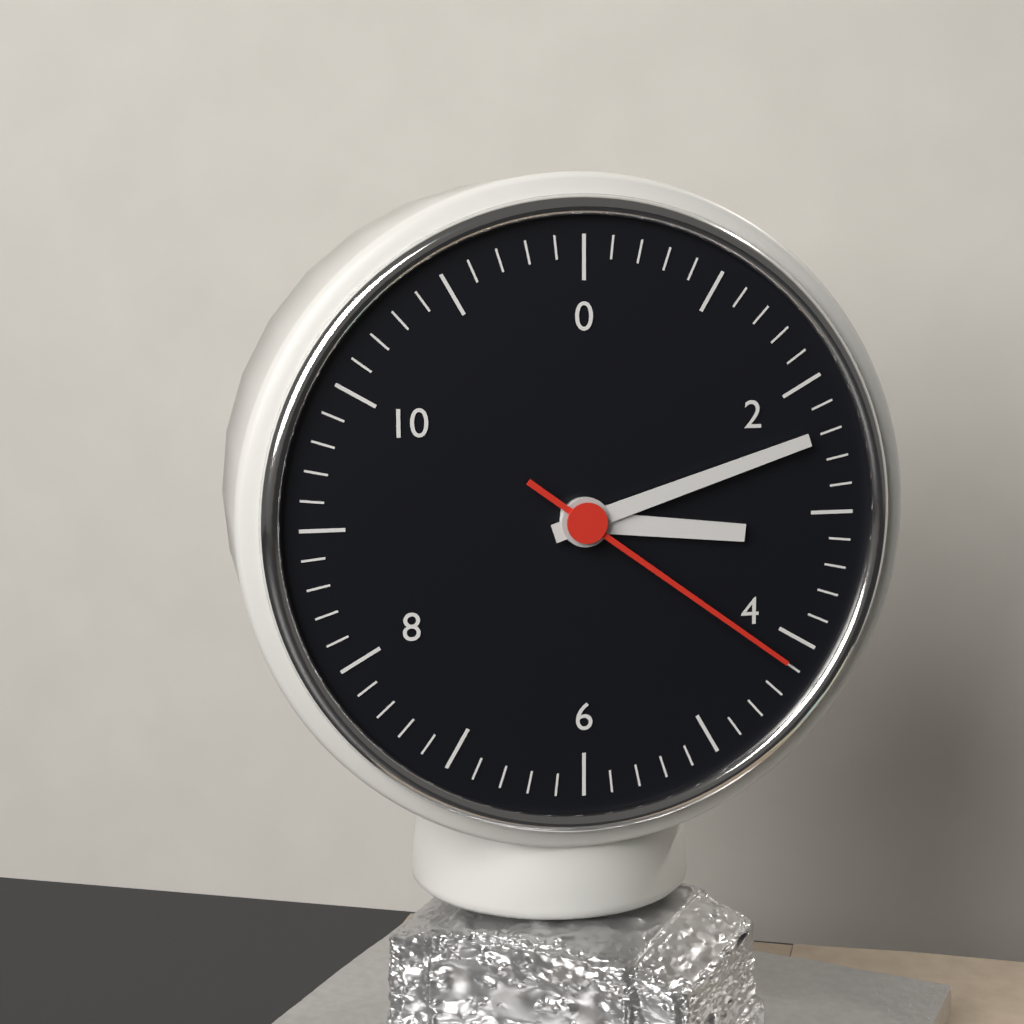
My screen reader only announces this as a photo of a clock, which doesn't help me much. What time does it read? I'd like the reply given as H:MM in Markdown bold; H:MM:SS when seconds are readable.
**3:12:21**
